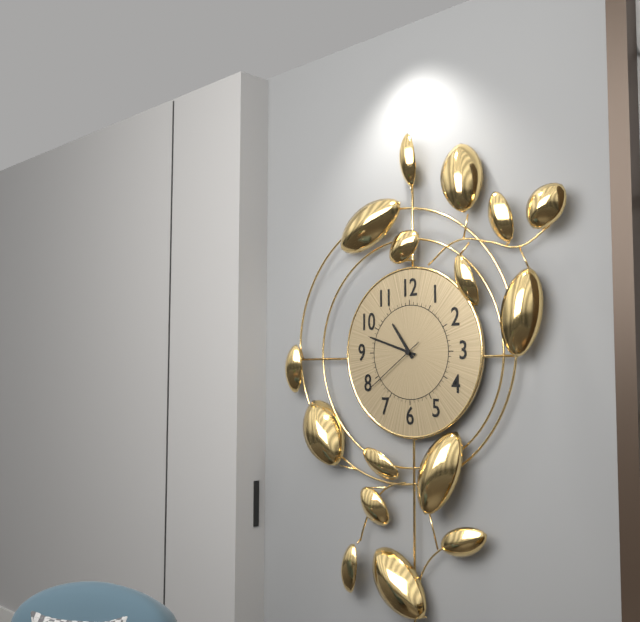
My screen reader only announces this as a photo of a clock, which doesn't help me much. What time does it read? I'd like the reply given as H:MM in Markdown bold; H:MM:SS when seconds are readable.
**10:48:39**
